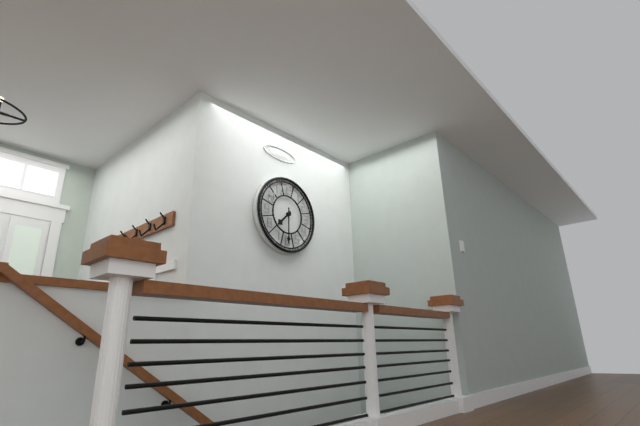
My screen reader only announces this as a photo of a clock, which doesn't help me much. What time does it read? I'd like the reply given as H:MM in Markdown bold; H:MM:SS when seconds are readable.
**7:30**
